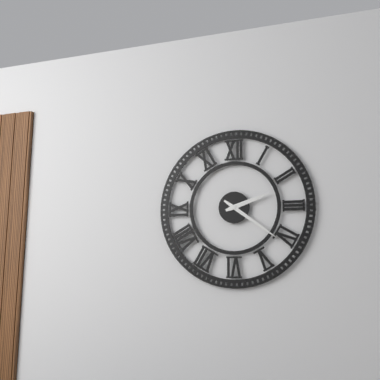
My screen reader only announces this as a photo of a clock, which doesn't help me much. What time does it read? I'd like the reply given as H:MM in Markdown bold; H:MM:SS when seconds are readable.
**2:21**
